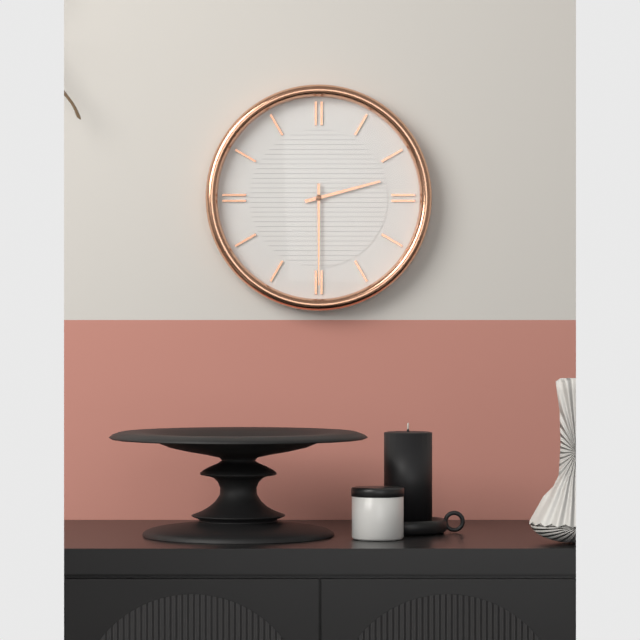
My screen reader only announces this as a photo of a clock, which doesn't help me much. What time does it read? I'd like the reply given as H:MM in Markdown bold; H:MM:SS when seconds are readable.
**2:30**
